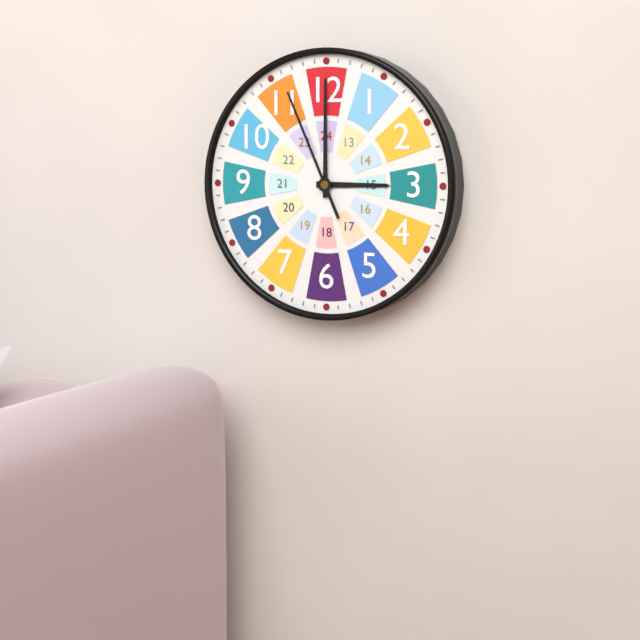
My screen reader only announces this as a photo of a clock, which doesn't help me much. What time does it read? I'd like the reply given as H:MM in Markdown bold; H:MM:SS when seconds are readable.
**3:00:56**
